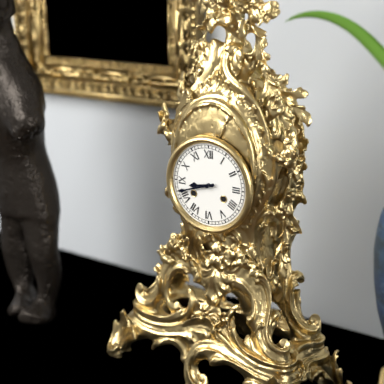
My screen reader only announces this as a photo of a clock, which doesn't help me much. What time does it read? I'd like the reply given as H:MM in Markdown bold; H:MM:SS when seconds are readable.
**8:42**
